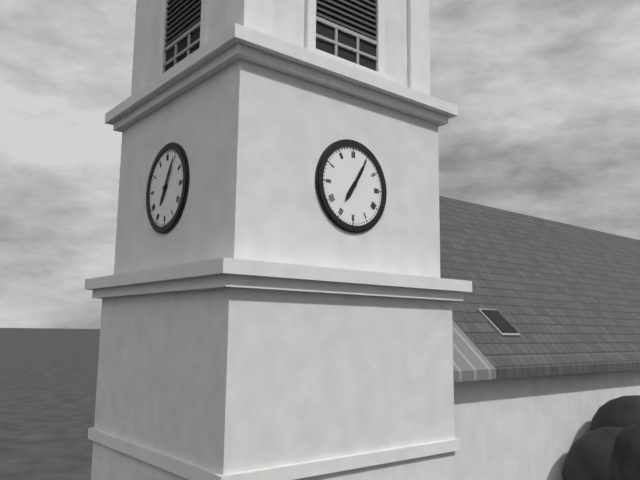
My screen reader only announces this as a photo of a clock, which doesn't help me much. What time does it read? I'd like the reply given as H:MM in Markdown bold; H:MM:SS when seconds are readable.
**7:05**
